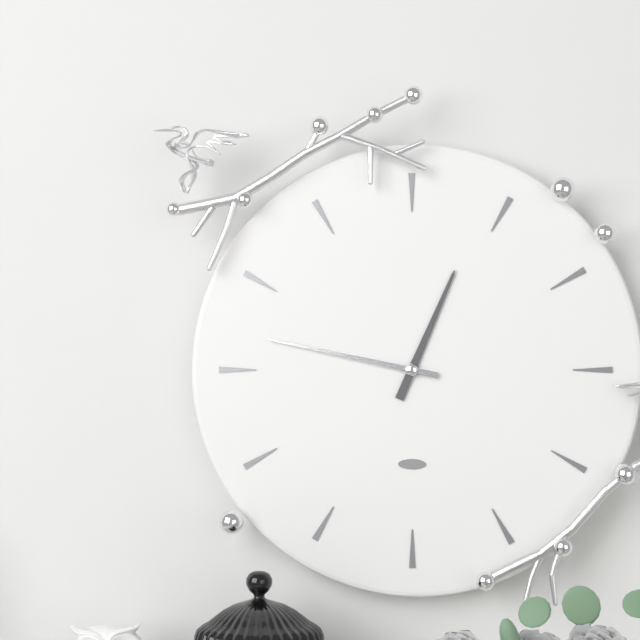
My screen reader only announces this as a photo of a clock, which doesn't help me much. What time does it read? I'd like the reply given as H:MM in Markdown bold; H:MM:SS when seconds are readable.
**12:47**
